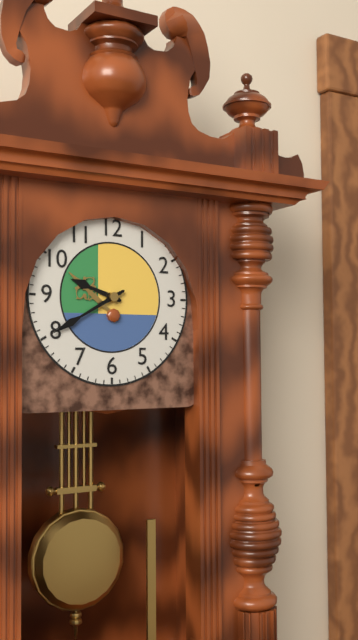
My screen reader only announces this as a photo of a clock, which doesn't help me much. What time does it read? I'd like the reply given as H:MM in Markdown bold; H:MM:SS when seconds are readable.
**9:40**
